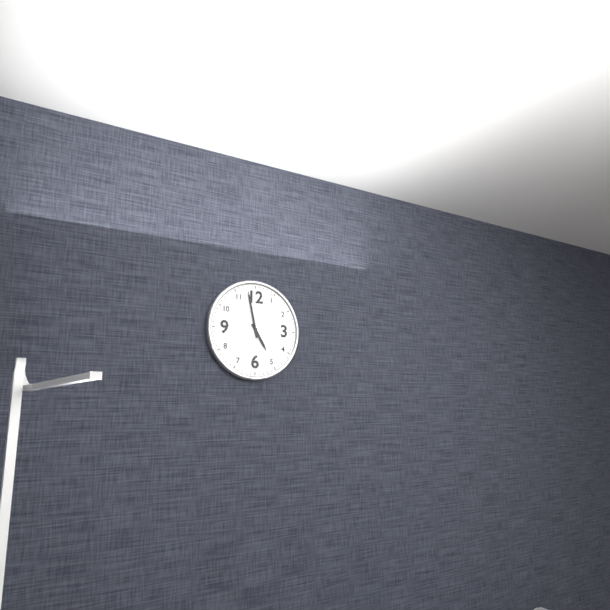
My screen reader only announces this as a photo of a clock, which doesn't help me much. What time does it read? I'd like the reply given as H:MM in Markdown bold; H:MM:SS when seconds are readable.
**4:58**
